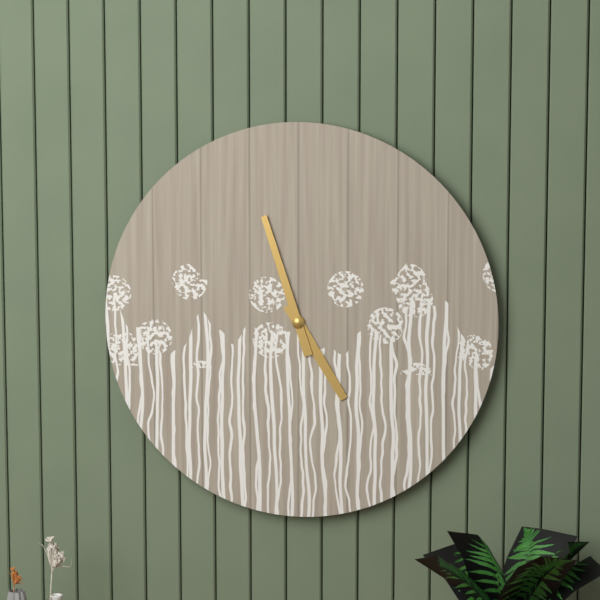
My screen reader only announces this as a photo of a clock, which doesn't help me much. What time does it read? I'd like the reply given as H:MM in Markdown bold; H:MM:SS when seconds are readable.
**4:57**
